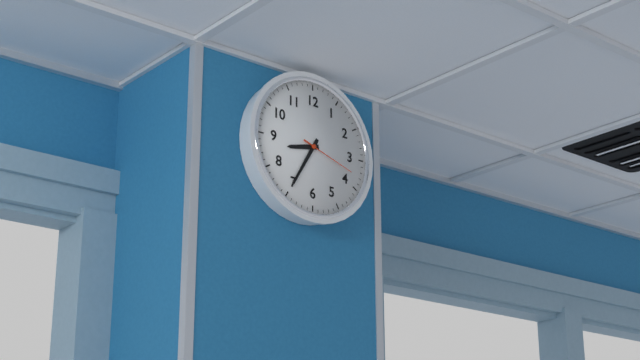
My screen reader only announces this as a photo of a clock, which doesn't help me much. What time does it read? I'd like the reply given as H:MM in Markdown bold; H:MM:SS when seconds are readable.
**8:35:18**
